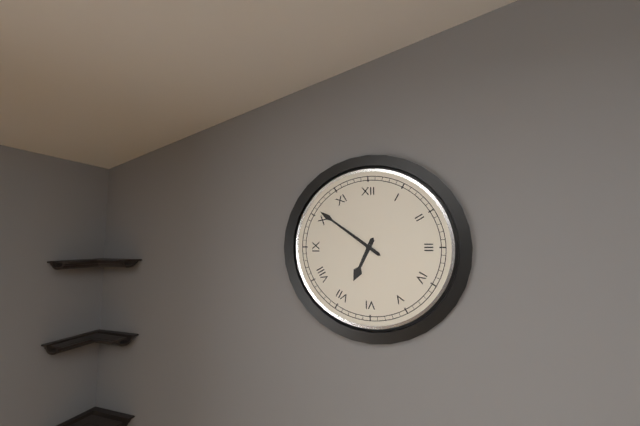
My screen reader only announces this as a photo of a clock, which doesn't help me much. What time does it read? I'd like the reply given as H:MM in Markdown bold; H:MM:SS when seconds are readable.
**6:51**
